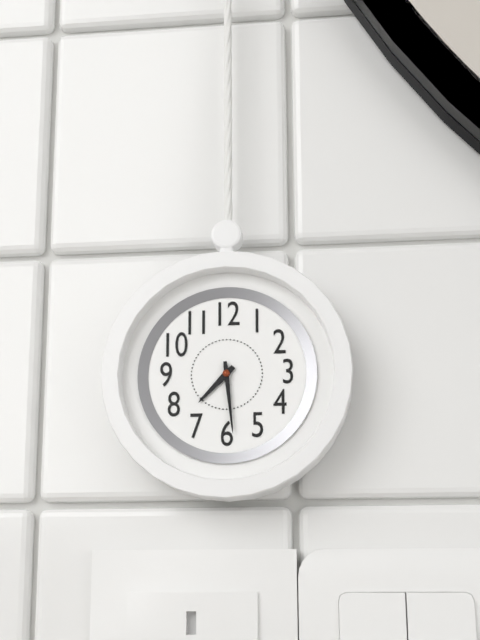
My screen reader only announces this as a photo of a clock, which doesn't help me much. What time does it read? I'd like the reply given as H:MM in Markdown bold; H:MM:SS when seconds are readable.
**7:29**
